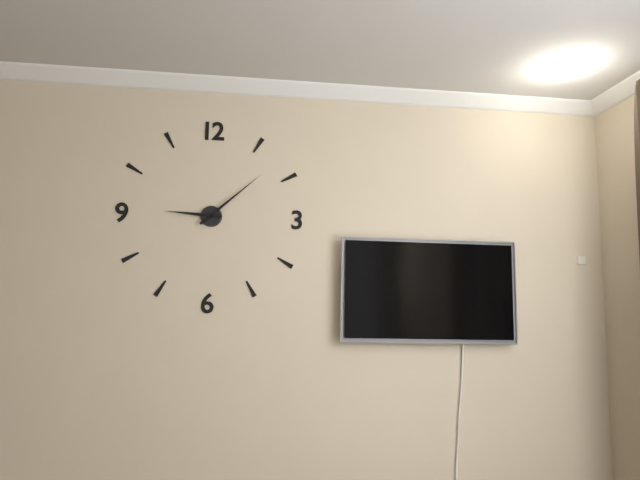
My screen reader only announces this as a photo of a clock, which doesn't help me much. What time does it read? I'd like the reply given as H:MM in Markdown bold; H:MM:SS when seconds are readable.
**9:08**
